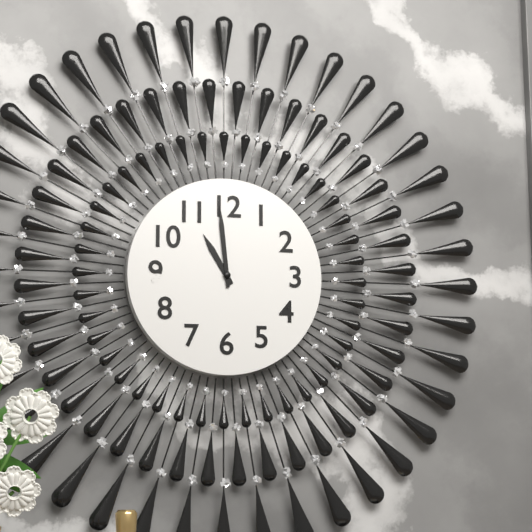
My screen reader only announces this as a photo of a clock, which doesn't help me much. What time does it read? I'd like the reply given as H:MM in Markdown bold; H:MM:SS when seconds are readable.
**10:59**
